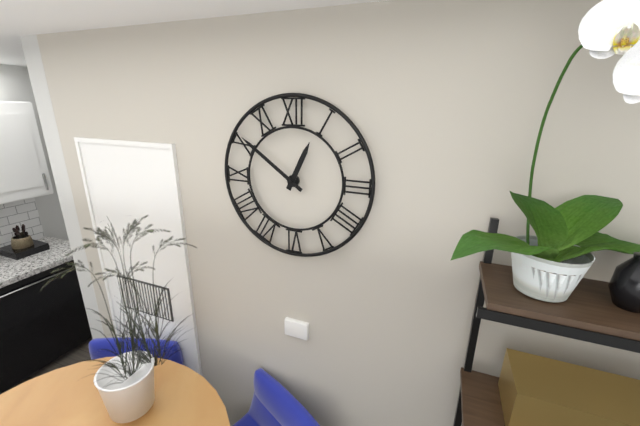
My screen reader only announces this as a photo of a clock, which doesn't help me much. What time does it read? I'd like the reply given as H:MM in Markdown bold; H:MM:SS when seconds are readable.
**12:51**
